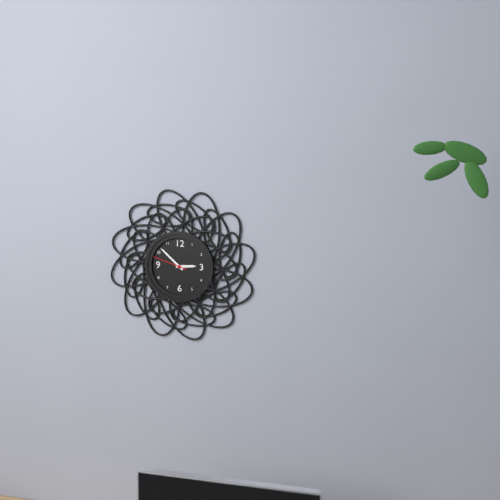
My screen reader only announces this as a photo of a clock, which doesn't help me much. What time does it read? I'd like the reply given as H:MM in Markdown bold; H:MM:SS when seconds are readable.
**2:52**
